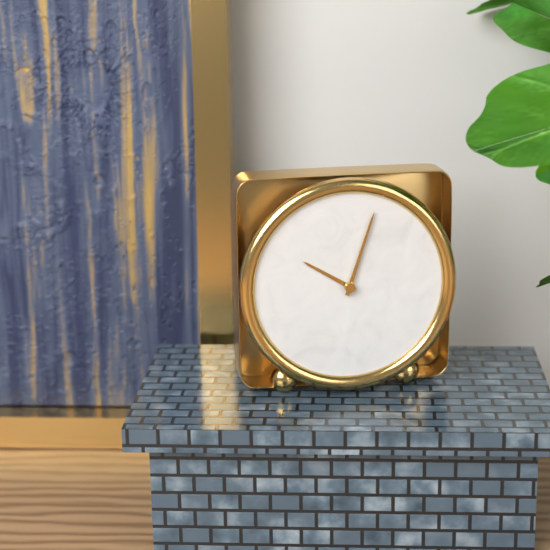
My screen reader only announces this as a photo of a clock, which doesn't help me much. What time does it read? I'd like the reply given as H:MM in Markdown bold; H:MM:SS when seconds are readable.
**10:03**
